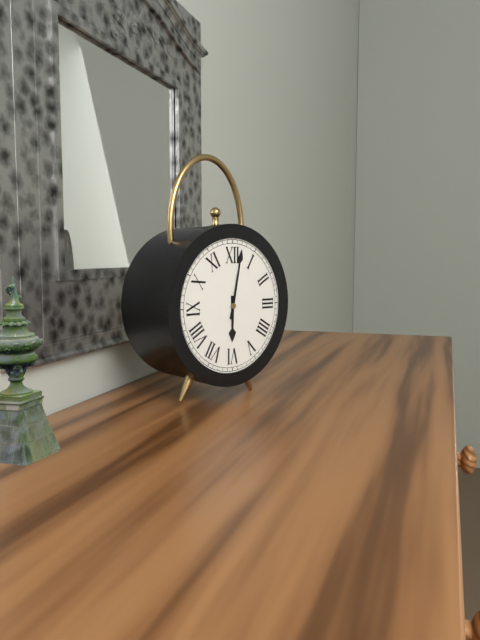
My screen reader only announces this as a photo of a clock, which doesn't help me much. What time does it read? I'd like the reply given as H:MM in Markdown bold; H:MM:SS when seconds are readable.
**6:02**
